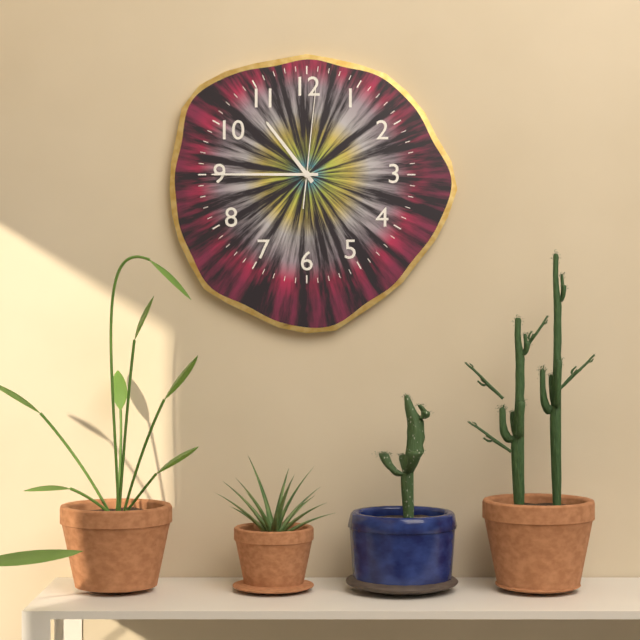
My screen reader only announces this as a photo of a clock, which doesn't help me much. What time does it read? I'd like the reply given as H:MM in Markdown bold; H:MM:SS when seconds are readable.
**10:45:01**
